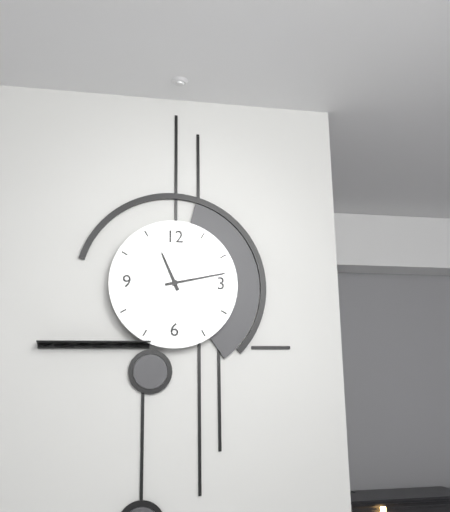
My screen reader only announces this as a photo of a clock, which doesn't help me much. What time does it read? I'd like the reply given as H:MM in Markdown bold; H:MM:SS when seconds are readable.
**11:13**
